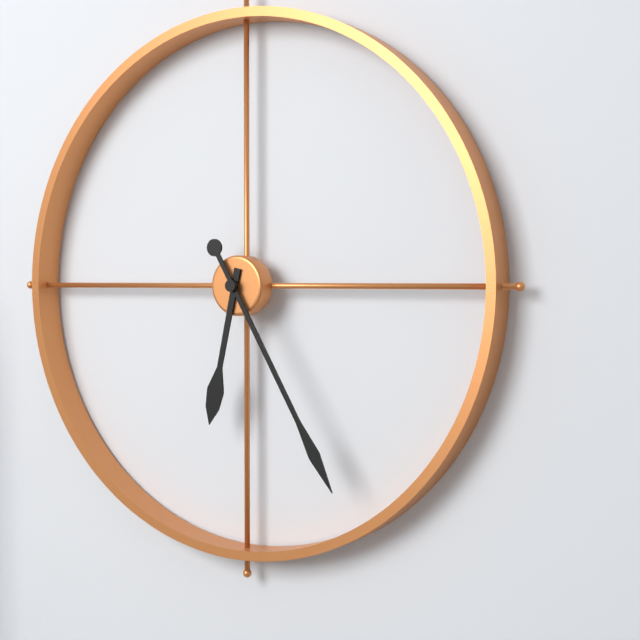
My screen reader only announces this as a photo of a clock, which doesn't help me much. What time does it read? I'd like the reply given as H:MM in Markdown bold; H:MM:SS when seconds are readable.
**6:25**
